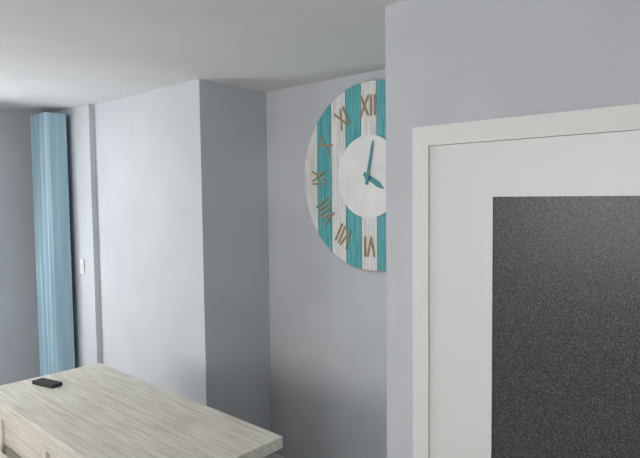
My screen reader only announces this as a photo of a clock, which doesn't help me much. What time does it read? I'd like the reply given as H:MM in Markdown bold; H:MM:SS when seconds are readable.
**4:02**
